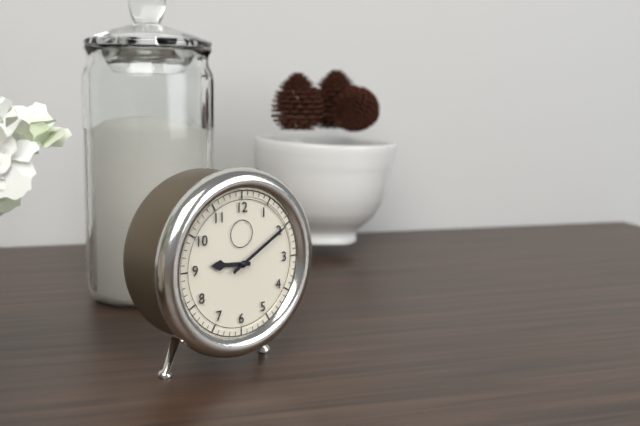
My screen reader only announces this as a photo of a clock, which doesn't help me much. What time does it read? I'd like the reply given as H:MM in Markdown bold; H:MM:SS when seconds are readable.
**9:10**
